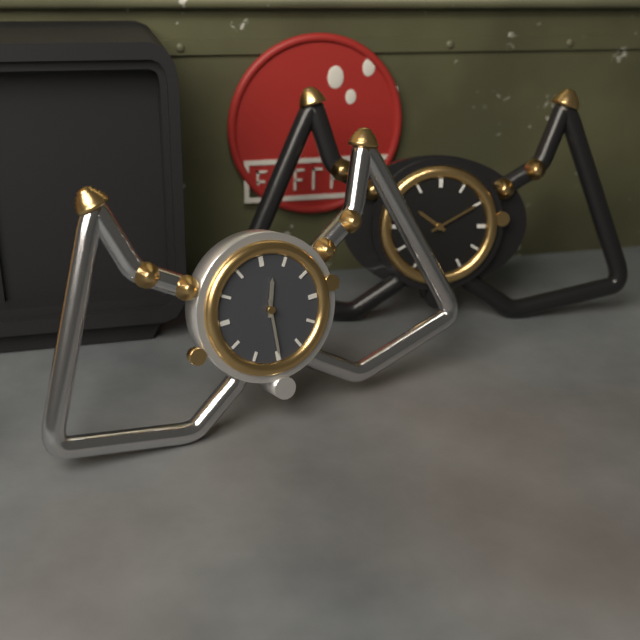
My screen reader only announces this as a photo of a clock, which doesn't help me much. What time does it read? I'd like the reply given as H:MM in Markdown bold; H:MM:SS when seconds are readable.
**12:30**
